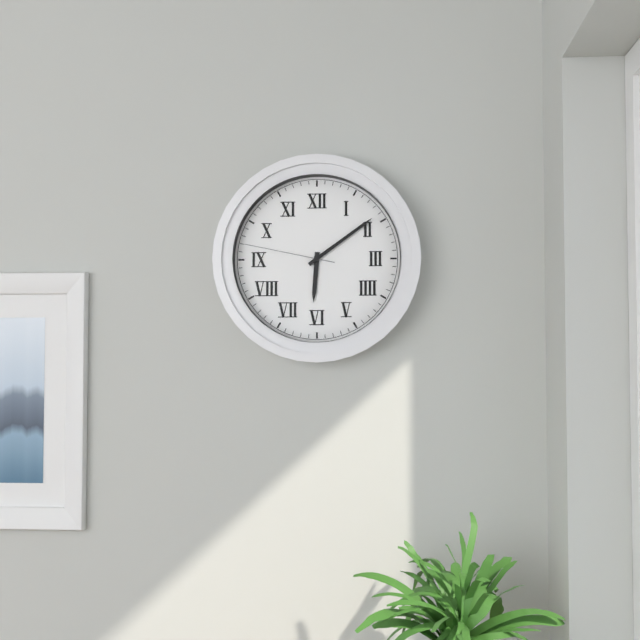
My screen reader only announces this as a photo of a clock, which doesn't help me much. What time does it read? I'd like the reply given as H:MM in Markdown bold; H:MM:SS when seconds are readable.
**6:09:47**
